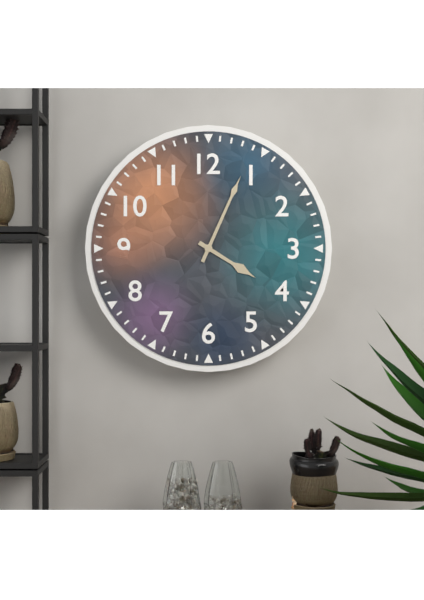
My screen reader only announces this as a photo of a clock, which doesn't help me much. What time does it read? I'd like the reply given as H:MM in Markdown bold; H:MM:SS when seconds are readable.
**4:04**
